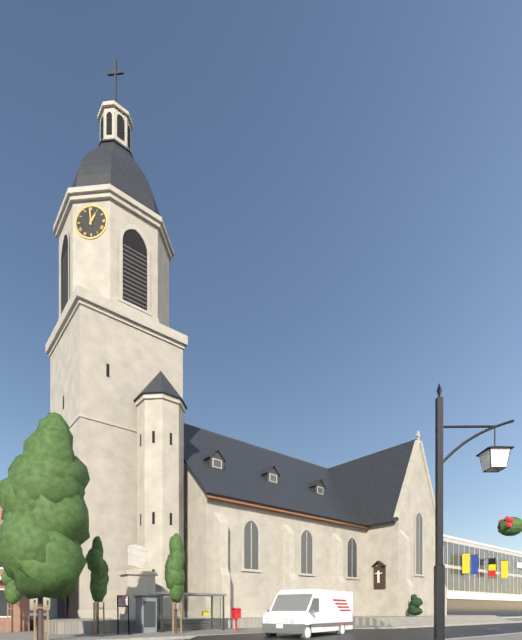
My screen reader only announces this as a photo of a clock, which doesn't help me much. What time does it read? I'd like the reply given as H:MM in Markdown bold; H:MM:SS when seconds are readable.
**12:59**
